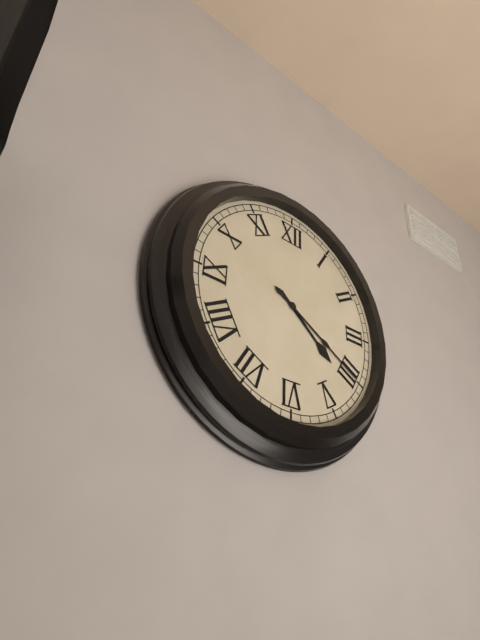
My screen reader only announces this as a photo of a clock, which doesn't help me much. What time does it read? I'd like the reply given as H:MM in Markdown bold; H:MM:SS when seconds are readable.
**4:20**
